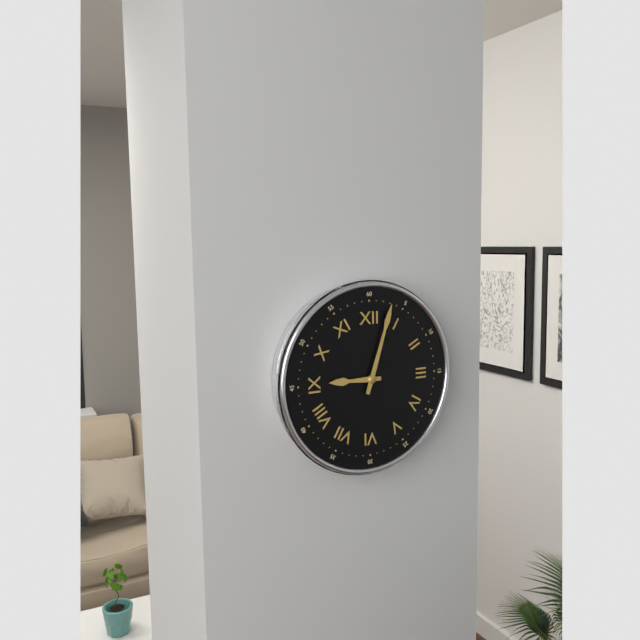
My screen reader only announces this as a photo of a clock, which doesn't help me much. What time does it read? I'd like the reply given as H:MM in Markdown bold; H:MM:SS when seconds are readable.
**9:03**
